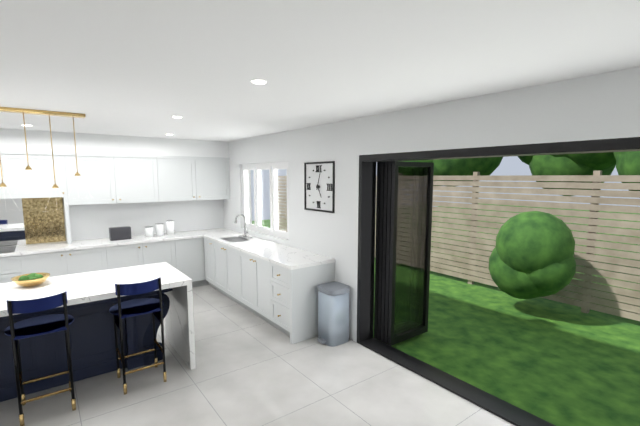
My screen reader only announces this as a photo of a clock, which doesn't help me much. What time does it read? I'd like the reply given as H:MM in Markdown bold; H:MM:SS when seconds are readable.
**5:03**
